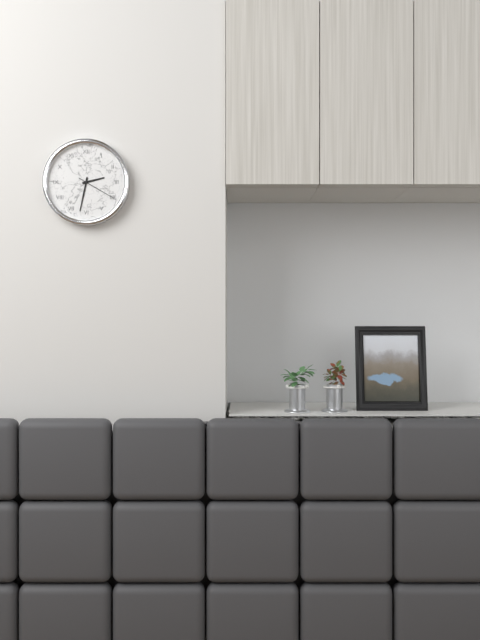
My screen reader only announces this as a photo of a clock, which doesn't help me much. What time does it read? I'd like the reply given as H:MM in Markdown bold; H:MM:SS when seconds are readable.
**2:32**
